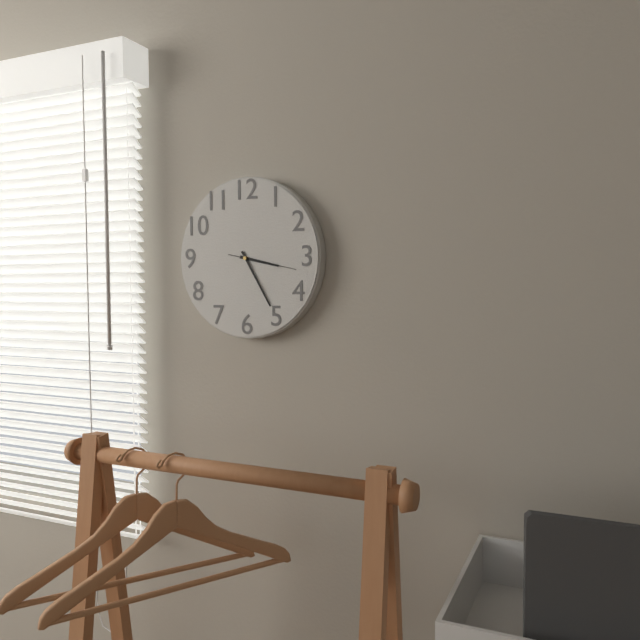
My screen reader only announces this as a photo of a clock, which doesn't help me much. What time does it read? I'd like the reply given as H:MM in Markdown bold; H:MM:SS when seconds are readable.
**3:25:17**
